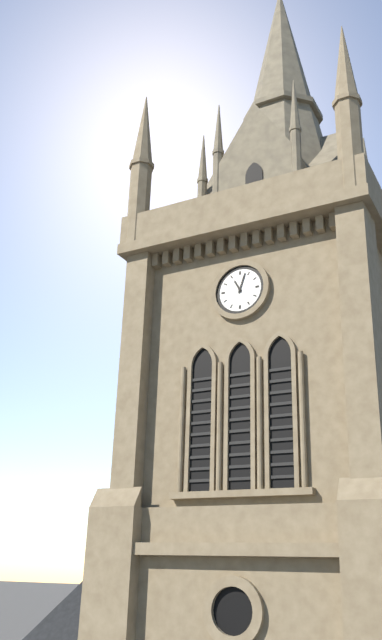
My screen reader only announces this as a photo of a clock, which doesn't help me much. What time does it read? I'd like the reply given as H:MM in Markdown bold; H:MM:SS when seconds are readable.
**11:03**
